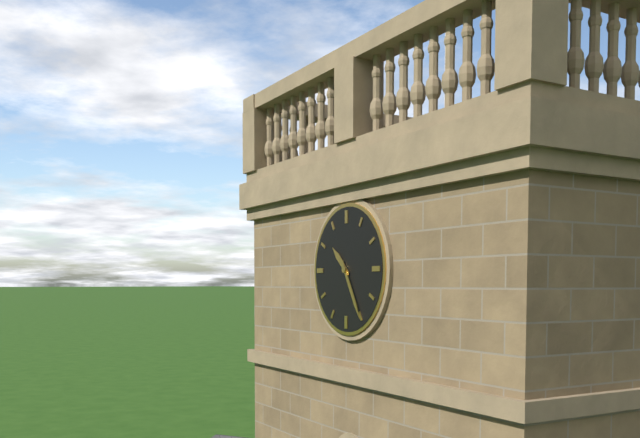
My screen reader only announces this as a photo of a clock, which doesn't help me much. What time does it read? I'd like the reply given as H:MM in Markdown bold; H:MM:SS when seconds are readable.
**10:25**
